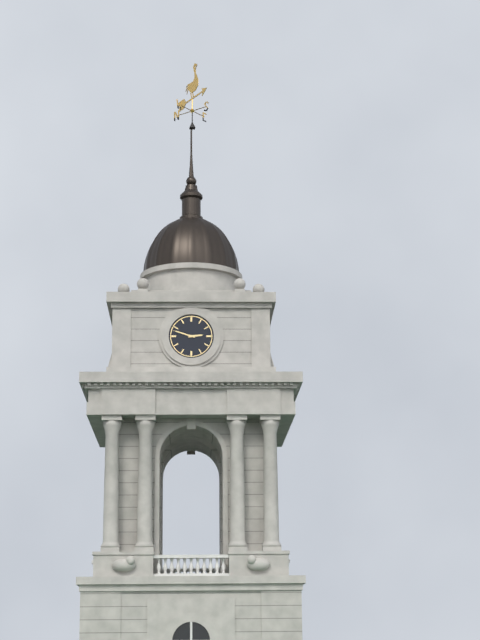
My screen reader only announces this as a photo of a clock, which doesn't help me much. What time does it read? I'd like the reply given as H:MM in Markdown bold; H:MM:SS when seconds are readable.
**2:48**
